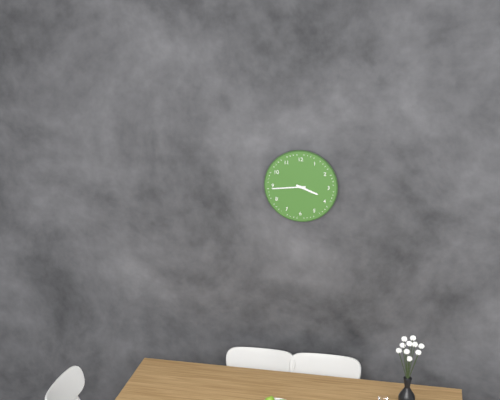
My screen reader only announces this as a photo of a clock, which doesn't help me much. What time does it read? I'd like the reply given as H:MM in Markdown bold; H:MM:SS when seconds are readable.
**3:44**
